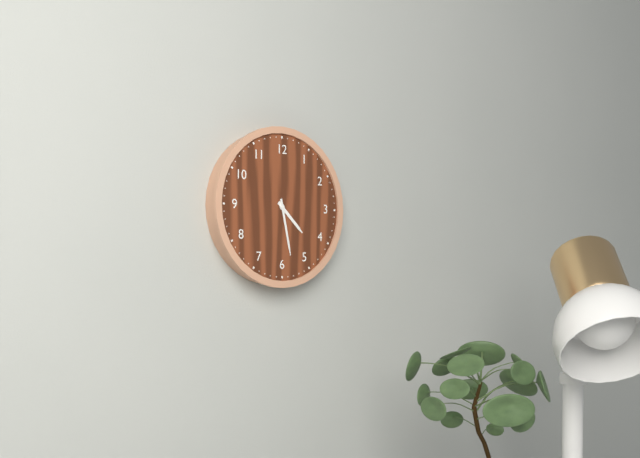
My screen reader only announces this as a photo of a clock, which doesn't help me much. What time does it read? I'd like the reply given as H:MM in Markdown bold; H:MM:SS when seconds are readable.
**4:28**
